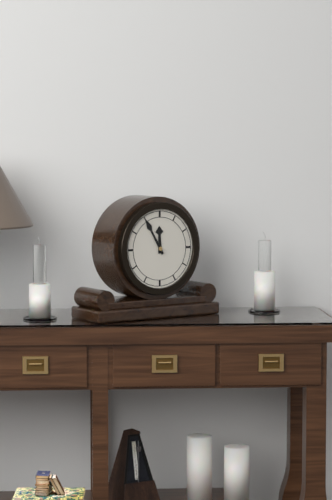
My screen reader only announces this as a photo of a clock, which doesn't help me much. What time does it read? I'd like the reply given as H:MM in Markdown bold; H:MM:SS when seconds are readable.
**11:55**
